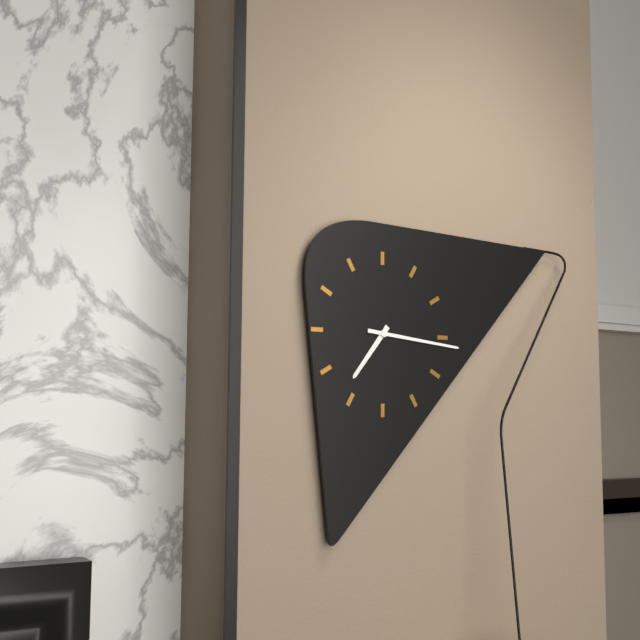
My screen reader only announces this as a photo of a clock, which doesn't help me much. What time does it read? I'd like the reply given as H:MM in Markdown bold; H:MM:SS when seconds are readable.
**7:16**
